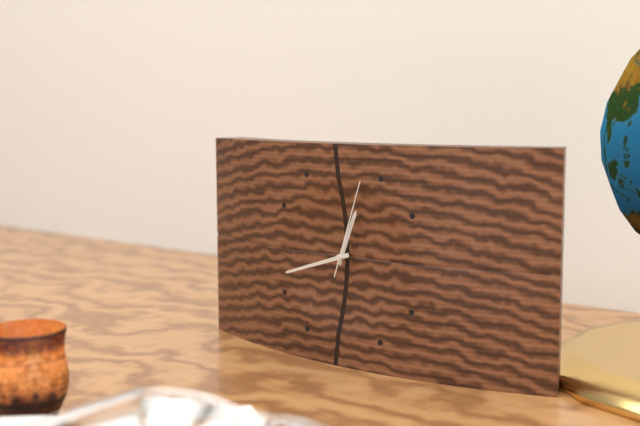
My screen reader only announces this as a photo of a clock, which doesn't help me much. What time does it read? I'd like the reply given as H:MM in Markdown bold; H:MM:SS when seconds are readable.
**12:42:03**
